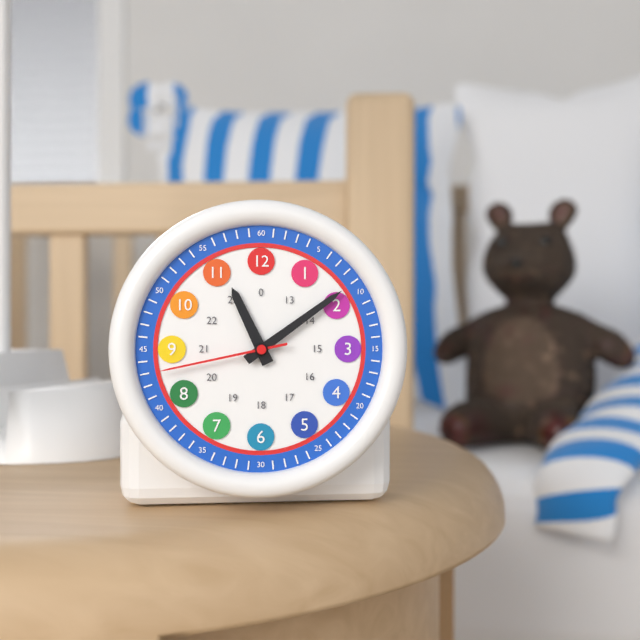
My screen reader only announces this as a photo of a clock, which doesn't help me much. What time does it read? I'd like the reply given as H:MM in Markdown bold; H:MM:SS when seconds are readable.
**11:09:43**
